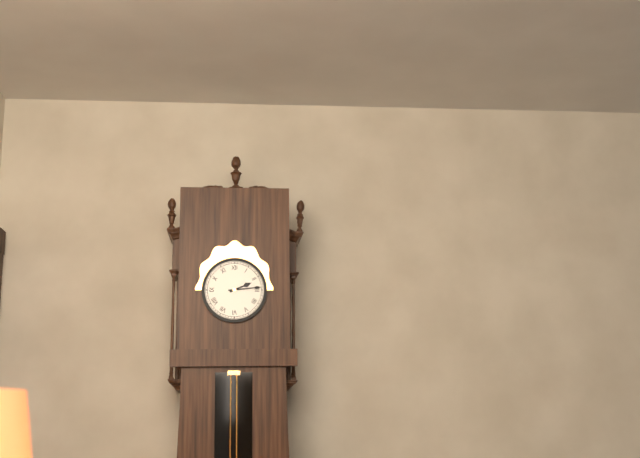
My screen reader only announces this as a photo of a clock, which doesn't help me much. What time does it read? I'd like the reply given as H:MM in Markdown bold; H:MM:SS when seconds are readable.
**2:14**
